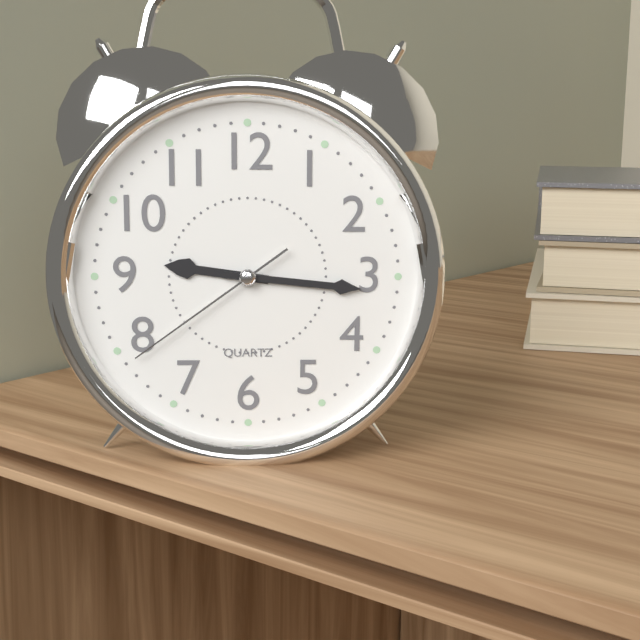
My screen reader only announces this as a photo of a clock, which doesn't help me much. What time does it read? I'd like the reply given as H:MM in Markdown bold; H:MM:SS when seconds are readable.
**9:16:39**
